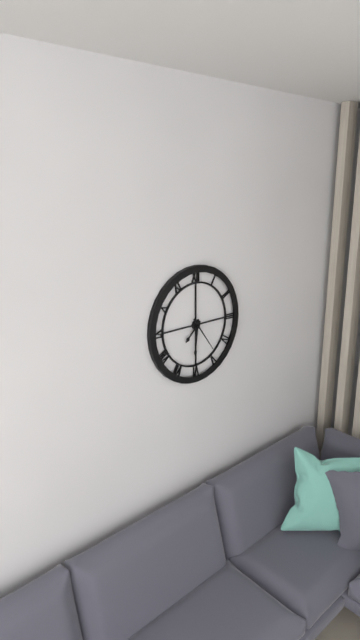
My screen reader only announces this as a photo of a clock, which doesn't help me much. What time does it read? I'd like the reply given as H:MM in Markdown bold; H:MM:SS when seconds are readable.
**7:31**
